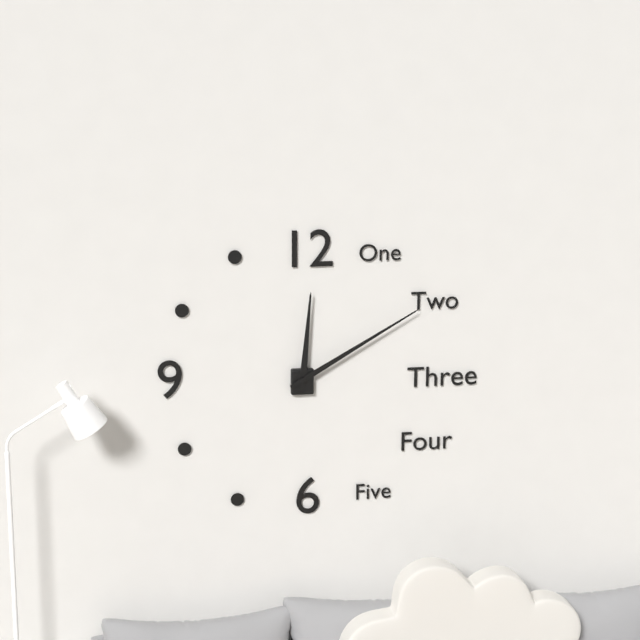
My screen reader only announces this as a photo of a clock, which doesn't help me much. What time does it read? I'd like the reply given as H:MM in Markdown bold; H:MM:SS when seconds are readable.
**12:10**
